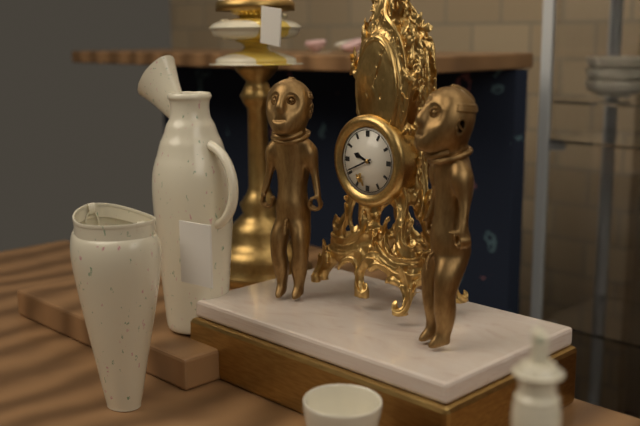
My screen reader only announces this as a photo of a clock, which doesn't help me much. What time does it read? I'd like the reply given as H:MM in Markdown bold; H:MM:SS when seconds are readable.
**9:41**
